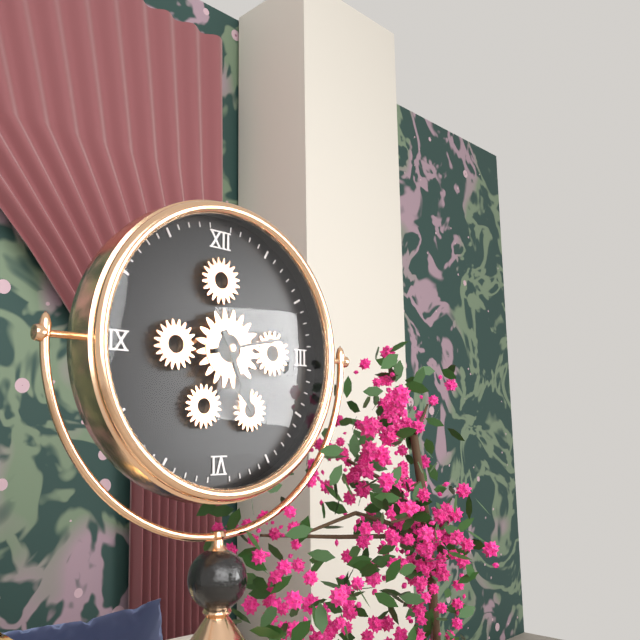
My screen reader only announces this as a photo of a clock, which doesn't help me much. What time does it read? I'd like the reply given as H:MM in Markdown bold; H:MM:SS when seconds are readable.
**5:13**
